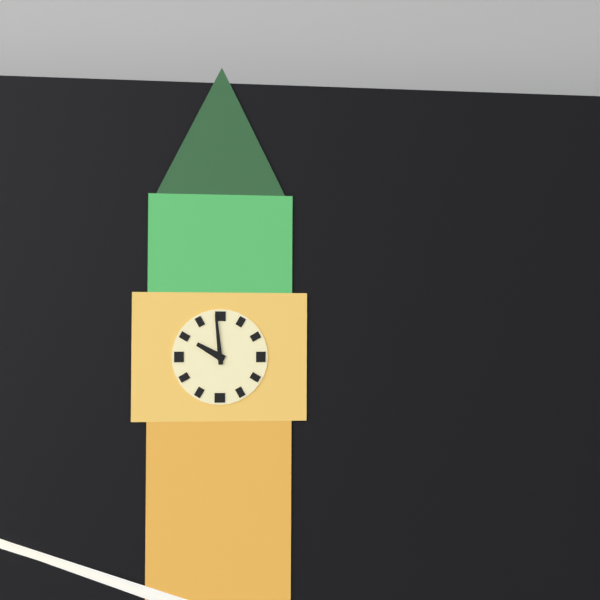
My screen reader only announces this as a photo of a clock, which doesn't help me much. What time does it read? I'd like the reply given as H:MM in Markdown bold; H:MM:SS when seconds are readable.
**9:59**
